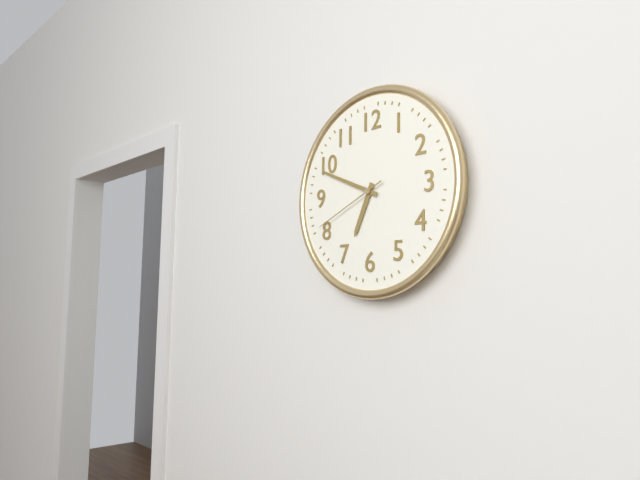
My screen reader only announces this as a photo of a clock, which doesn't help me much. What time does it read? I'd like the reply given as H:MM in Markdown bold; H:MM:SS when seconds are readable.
**6:49:41**
